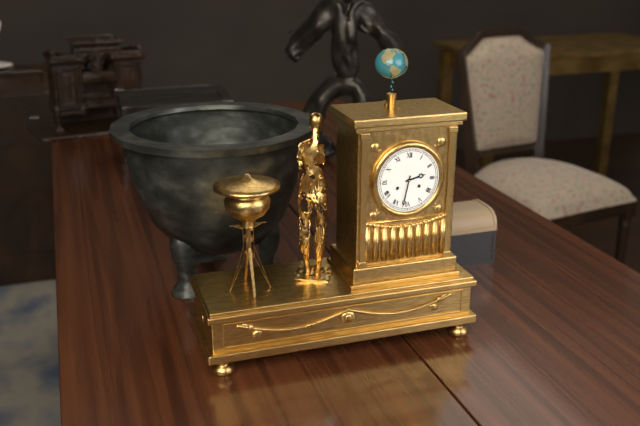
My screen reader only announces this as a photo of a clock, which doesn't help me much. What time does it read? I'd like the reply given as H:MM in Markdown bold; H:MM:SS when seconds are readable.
**2:32**
